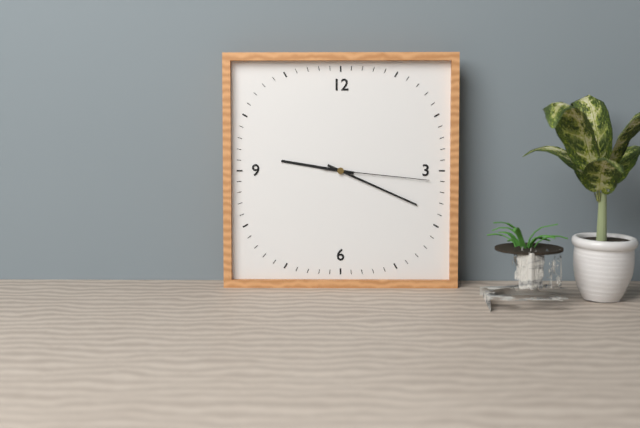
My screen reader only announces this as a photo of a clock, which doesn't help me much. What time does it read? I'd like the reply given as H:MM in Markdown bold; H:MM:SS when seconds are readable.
**9:19:16**
